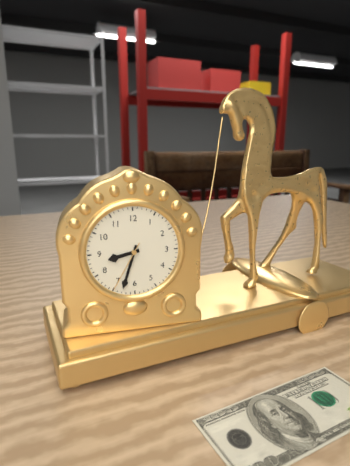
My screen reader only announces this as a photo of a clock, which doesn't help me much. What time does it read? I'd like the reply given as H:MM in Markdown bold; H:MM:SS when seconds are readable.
**8:33:35**
